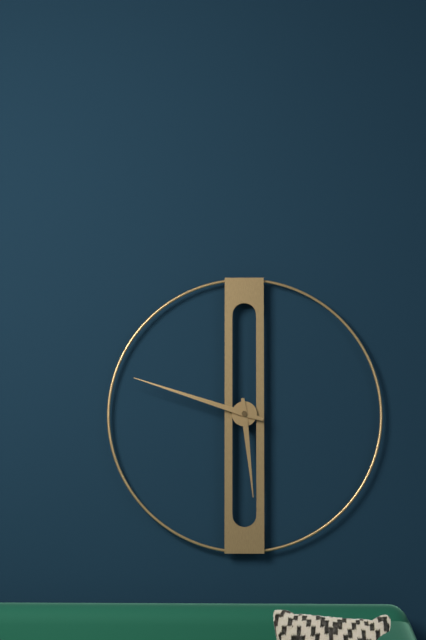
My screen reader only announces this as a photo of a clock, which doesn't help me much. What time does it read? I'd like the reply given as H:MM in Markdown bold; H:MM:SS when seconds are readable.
**5:48**
